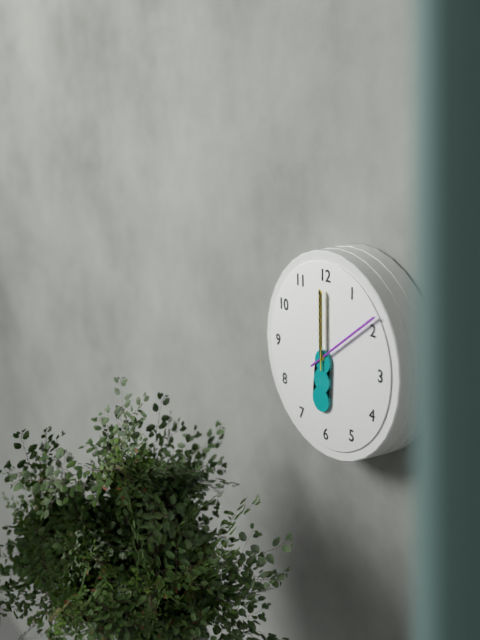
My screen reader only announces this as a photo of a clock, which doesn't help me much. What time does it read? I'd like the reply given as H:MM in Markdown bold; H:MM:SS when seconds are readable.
**6:09:00**
